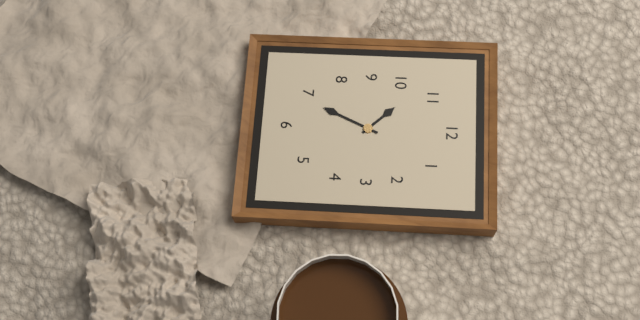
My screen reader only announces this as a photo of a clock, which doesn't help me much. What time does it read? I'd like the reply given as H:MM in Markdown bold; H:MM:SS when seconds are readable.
**10:34**
